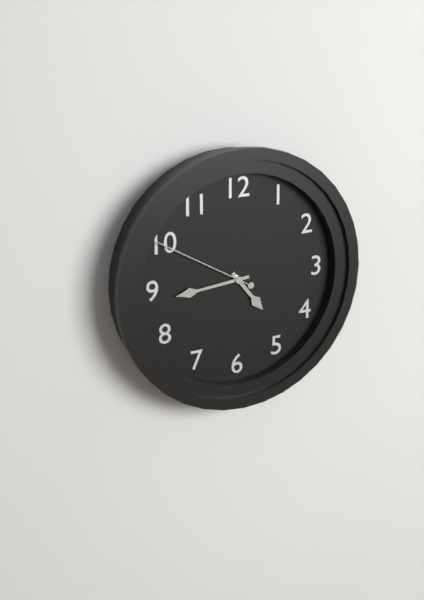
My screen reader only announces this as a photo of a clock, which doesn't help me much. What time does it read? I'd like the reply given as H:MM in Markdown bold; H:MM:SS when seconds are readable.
**4:44:50**
